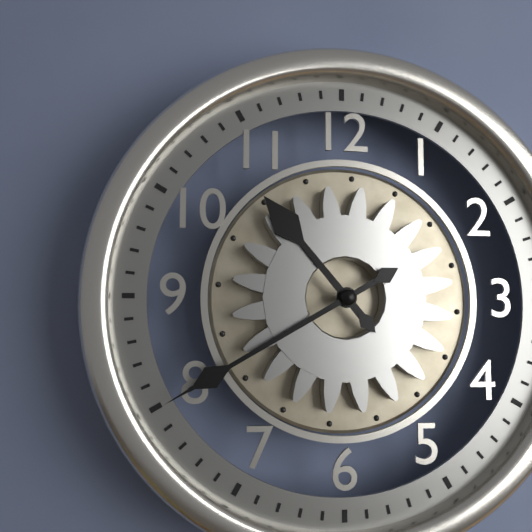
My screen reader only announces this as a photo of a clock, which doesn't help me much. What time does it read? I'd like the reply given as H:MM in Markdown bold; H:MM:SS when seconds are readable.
**10:40**
